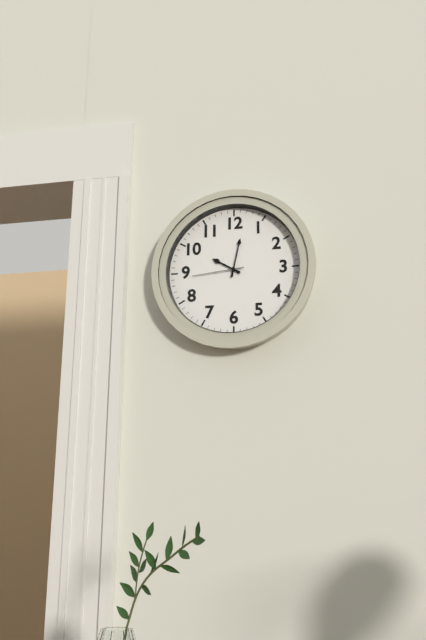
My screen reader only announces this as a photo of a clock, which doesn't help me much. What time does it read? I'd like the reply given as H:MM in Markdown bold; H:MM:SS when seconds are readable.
**10:02:44**
